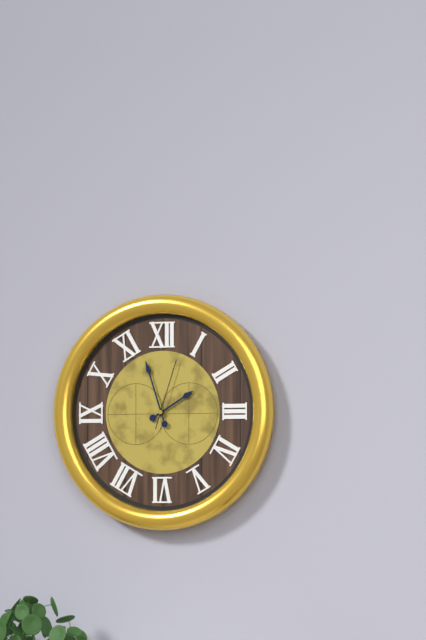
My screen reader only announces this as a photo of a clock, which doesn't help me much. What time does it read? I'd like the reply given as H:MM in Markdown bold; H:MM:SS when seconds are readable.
**1:57:03**
